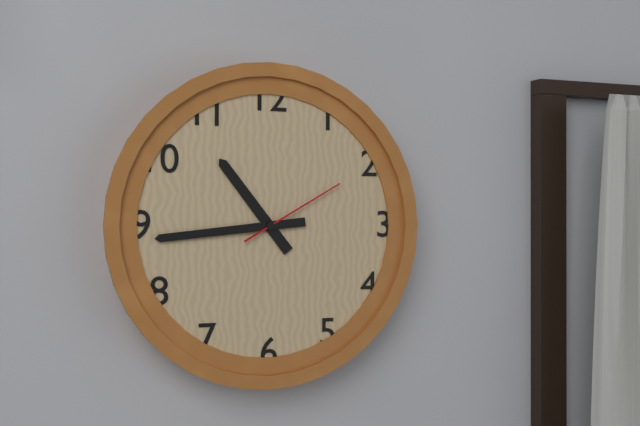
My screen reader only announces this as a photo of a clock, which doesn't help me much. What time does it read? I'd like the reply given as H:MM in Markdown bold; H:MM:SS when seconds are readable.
**10:44:10**
